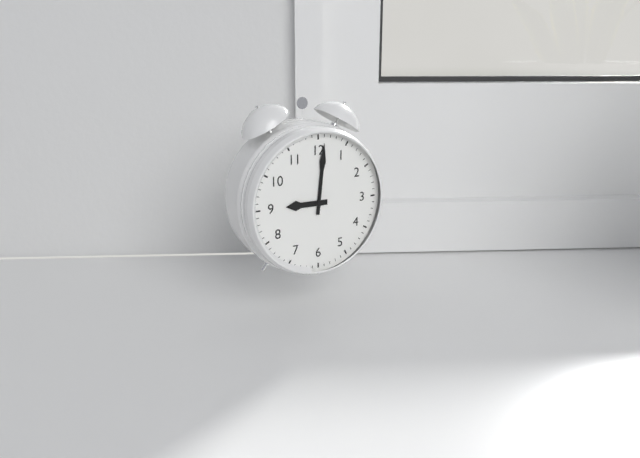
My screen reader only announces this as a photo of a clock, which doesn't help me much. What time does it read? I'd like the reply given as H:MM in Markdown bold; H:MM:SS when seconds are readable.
**9:01**
